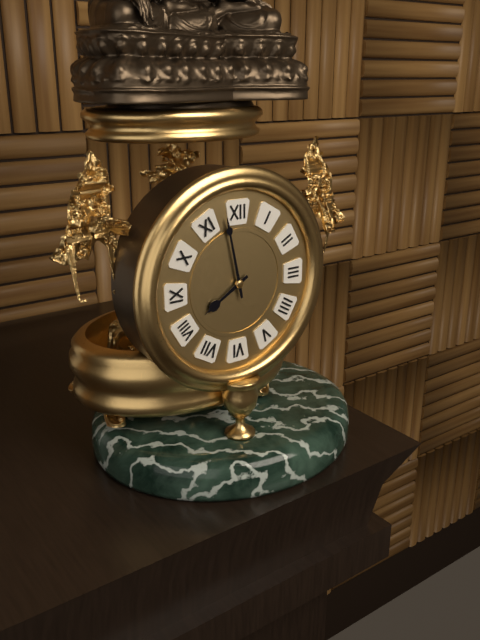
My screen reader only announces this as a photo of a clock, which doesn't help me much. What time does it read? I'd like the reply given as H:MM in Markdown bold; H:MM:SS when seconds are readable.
**7:58**
